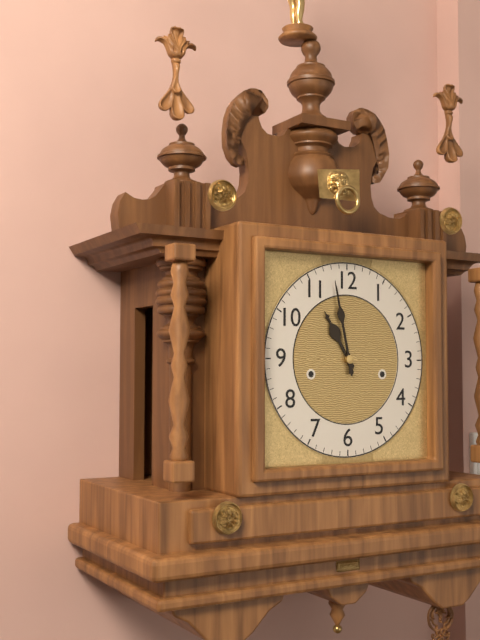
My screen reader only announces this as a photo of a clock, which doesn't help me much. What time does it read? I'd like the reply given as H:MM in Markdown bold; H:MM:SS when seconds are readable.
**10:58**
